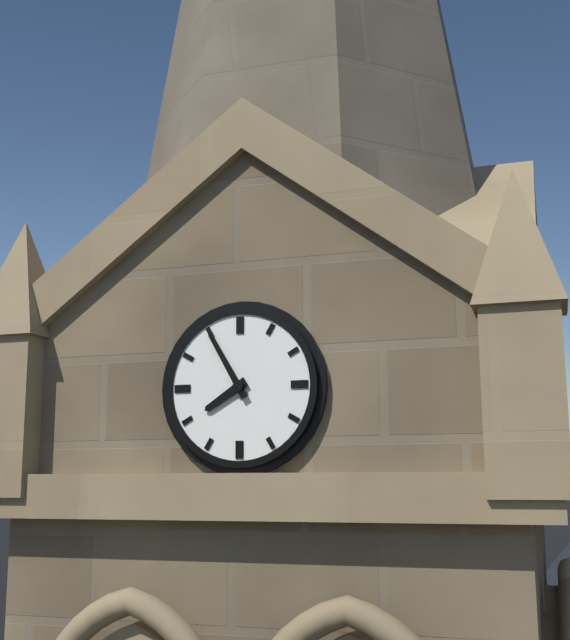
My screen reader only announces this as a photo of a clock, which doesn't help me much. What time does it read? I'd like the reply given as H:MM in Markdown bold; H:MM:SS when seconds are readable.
**7:55**
